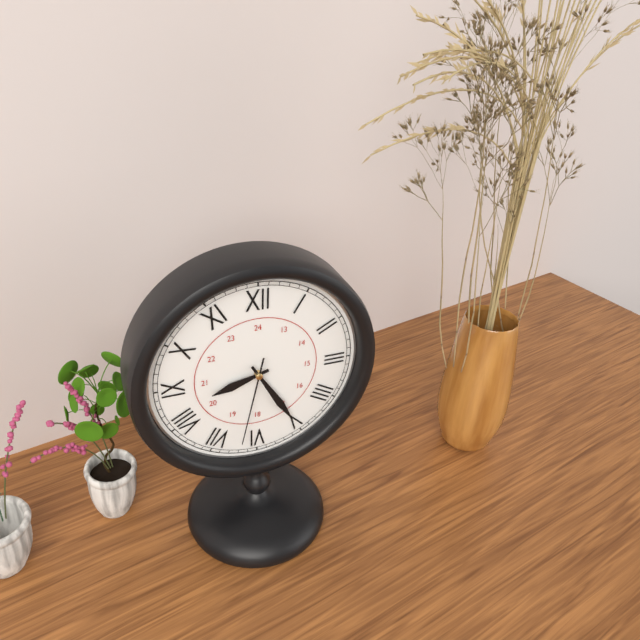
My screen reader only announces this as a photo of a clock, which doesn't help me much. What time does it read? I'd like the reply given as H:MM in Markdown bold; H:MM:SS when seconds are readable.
**8:25:32**
